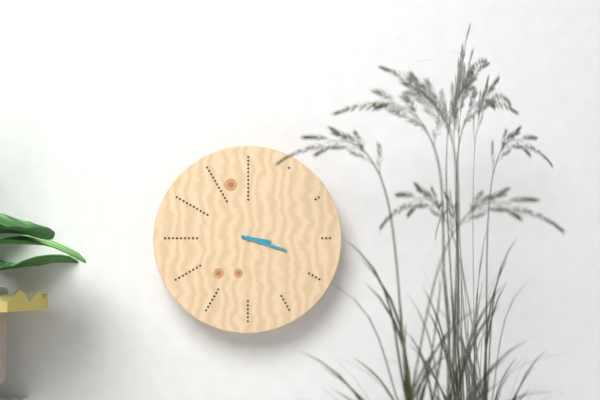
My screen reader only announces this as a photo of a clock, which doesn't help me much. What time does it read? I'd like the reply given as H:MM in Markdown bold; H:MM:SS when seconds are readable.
**3:18**
